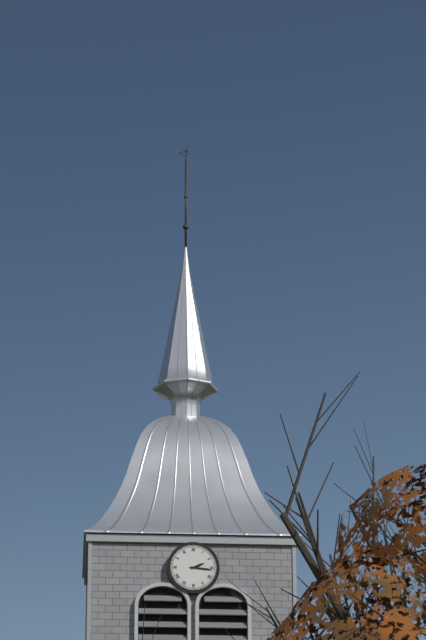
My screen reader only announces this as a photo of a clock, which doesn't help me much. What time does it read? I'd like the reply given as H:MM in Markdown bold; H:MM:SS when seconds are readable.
**2:16**
